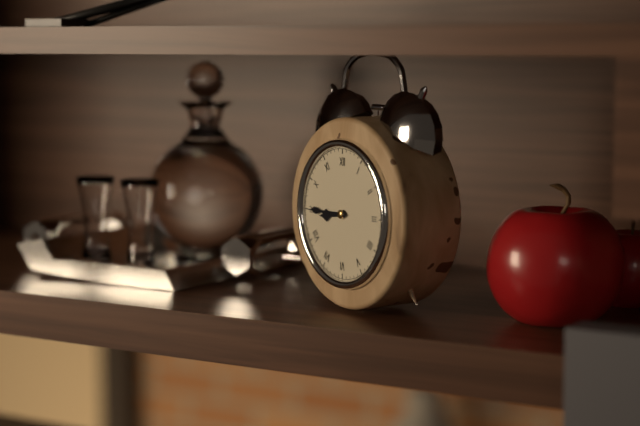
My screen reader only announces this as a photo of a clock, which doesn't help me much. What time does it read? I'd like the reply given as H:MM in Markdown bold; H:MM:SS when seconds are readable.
**8:45**
